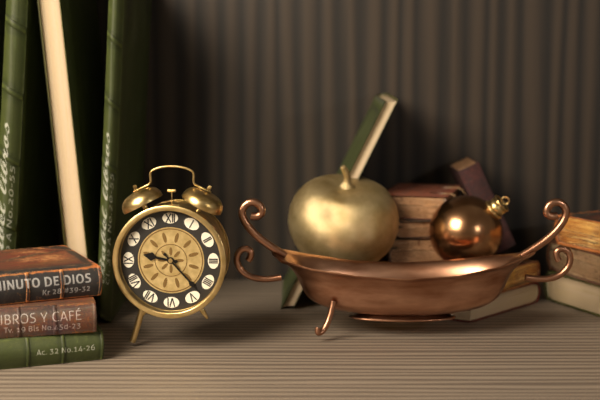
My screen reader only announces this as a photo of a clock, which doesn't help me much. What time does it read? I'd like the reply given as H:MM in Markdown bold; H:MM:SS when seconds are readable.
**9:23**
